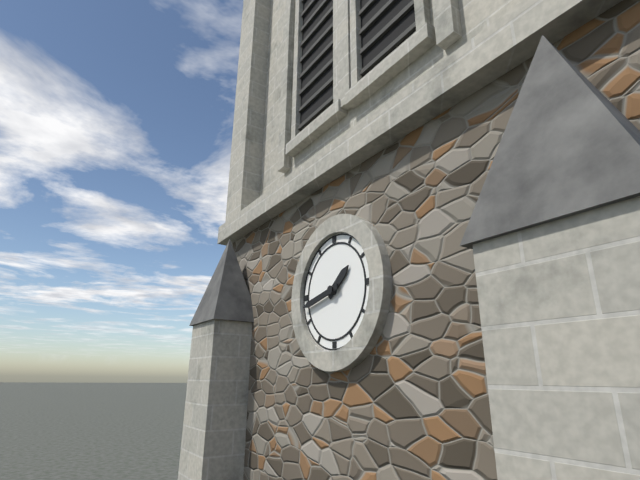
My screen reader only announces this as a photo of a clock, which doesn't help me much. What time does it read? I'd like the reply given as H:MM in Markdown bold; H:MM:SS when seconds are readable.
**1:43**
